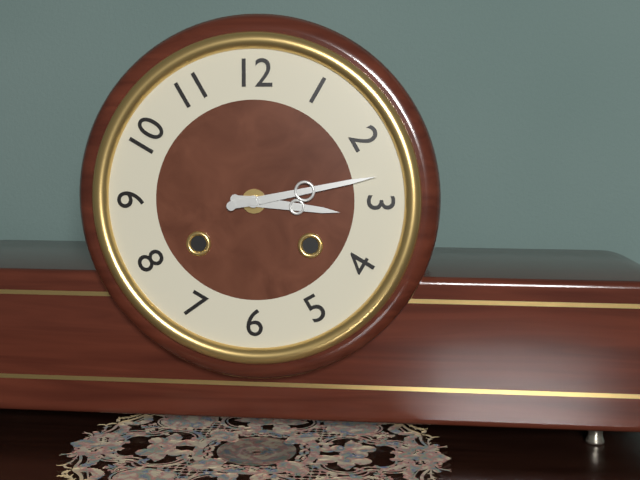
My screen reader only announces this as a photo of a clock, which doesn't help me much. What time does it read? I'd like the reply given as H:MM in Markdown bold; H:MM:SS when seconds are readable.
**3:13**
